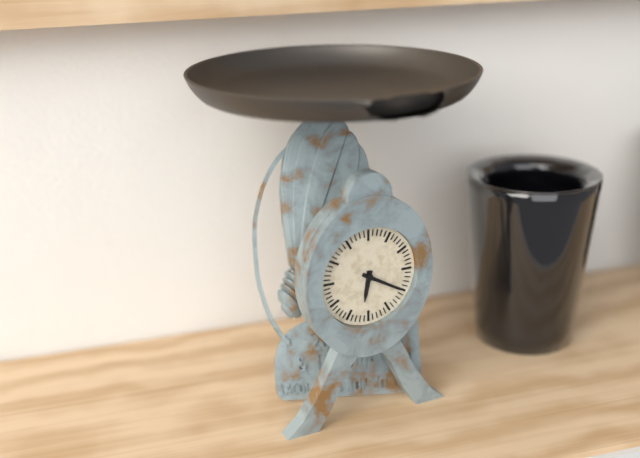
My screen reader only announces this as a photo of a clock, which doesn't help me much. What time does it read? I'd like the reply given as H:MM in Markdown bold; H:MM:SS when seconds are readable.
**6:20**
